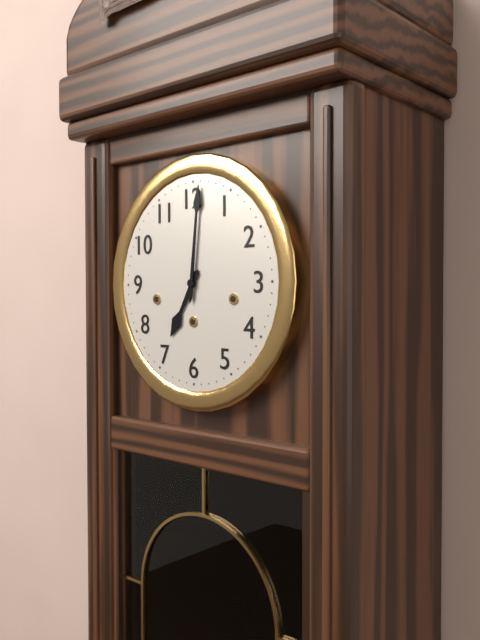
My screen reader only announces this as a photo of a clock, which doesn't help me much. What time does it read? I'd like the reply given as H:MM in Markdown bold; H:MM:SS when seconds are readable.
**7:01**
